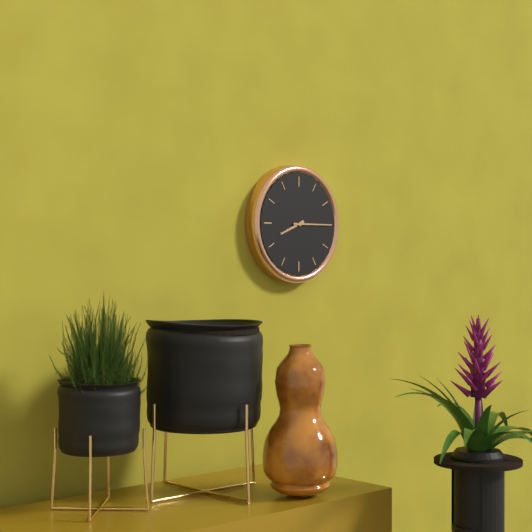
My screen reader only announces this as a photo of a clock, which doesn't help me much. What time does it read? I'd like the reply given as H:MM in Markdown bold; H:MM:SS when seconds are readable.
**8:15**
